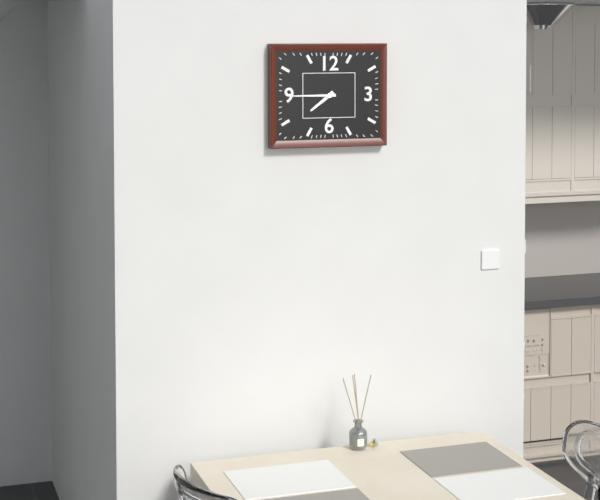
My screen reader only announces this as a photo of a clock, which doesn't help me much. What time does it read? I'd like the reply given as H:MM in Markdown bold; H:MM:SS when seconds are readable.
**7:45**
